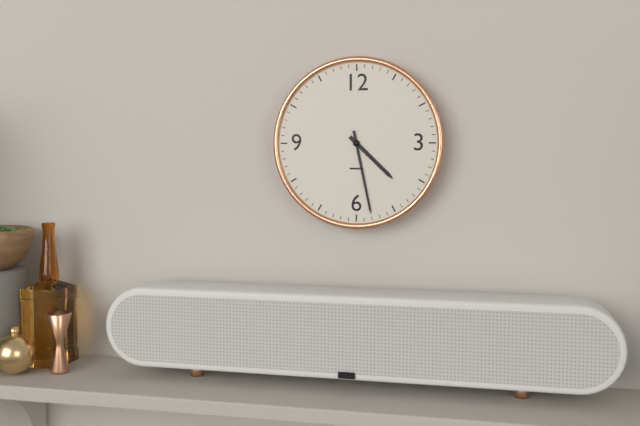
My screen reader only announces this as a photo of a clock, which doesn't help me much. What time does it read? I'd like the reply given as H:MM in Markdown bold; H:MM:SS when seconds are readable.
**4:28**
